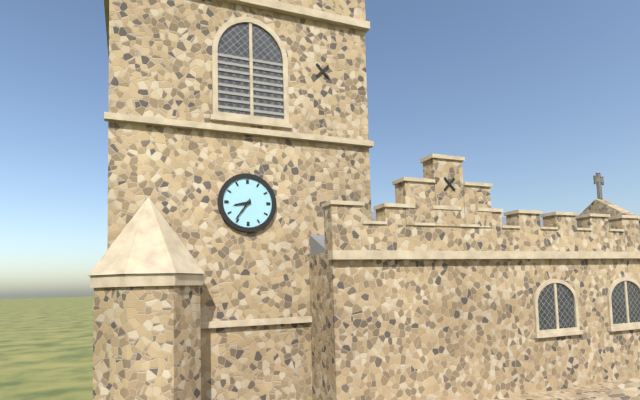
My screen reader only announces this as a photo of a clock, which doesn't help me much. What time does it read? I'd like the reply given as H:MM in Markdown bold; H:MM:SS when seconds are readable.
**8:36**
